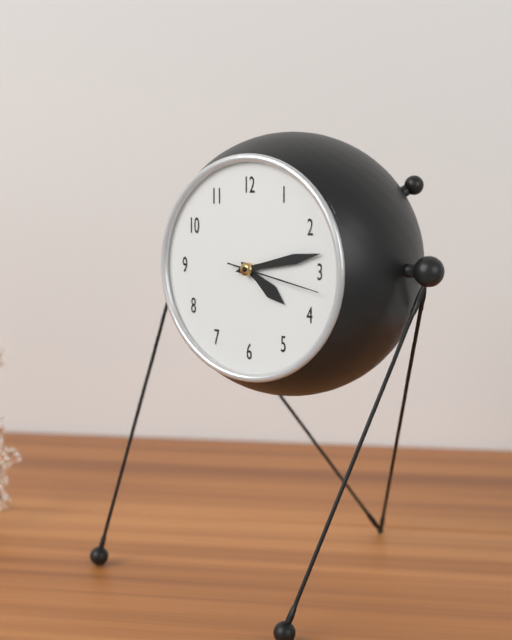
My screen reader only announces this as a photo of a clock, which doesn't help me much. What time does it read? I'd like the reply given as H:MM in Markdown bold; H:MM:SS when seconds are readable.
**4:13:17**
